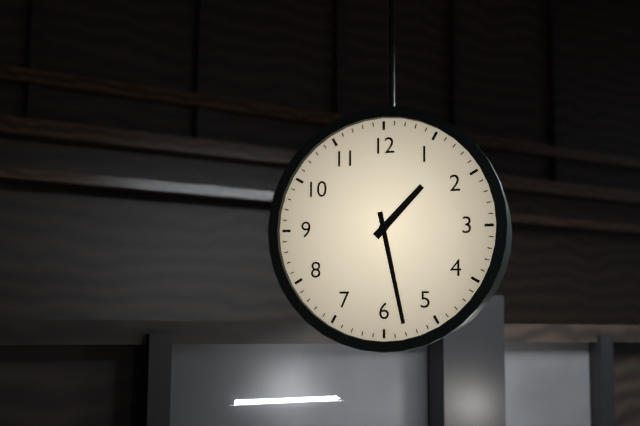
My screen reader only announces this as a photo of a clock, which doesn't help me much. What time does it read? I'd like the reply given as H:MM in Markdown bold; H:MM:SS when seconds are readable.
**1:28**
